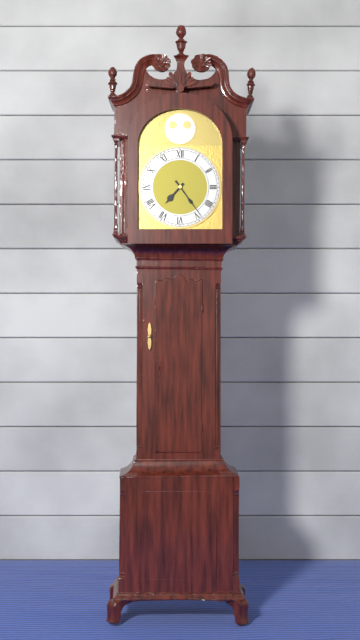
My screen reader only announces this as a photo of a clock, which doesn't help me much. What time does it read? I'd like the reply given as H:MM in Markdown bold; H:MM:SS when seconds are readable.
**7:24**
